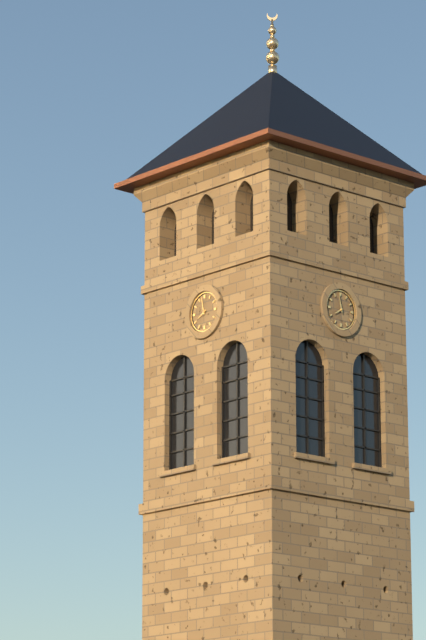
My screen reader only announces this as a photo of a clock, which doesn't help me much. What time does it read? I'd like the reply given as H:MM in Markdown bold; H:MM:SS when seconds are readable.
**7:58**
